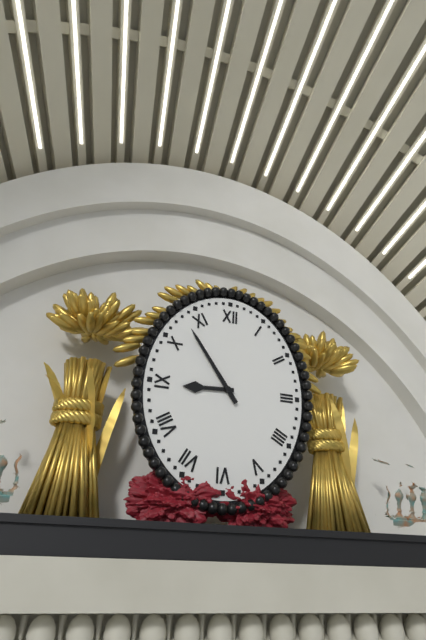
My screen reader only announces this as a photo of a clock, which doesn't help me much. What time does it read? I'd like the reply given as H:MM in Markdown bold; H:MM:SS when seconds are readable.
**8:54**
